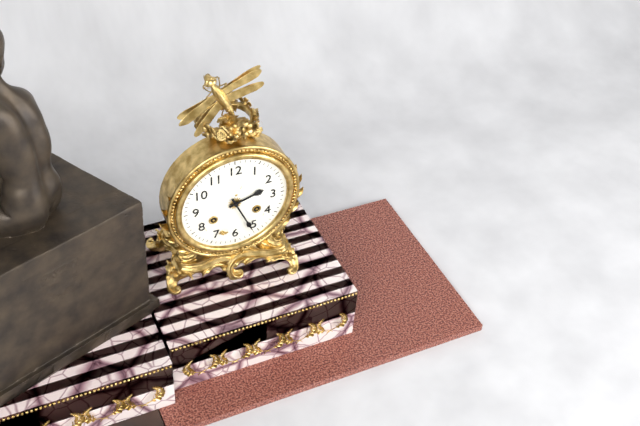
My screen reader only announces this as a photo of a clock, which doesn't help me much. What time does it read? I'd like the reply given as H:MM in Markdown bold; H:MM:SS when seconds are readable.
**2:26**
